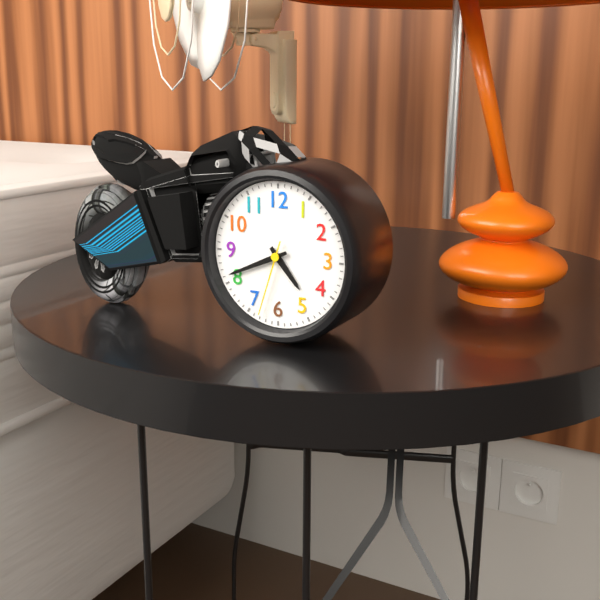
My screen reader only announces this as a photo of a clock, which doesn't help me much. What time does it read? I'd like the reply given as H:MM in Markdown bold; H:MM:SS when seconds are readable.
**4:41:33**
